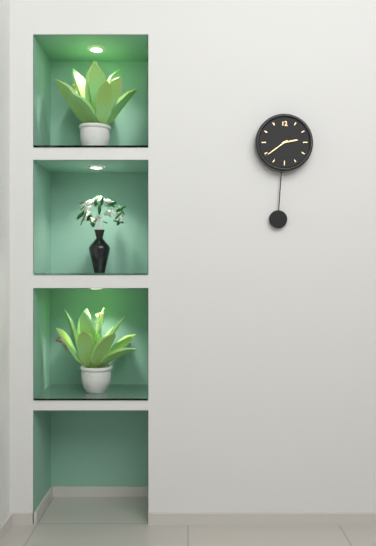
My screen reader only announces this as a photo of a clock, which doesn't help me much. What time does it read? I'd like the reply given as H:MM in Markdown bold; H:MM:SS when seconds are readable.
**2:39**
